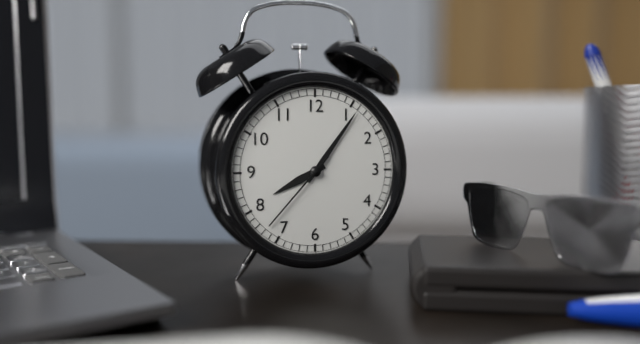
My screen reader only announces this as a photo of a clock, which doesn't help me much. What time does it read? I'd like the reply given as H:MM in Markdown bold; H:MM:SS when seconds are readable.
**8:06:37**
